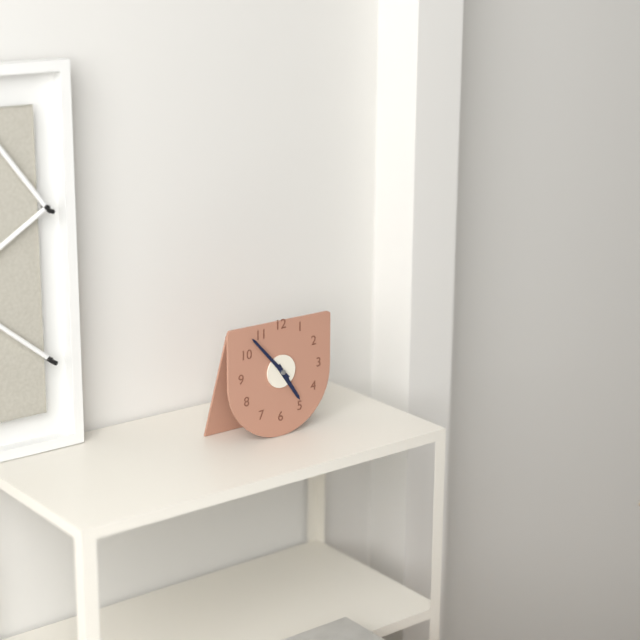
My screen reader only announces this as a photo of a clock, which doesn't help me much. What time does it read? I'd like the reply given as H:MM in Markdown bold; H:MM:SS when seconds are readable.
**4:53**
